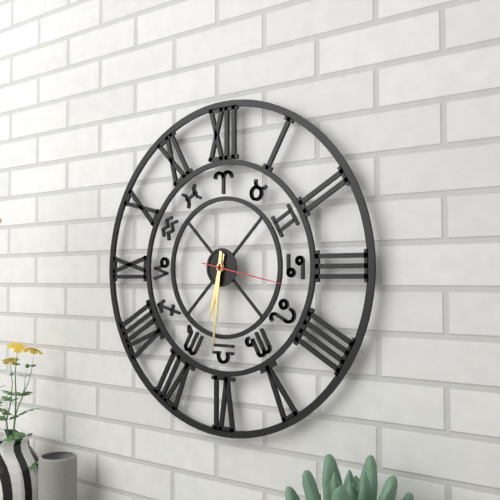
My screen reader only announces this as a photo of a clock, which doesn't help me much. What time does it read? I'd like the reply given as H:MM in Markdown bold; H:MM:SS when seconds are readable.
**6:31:17**
